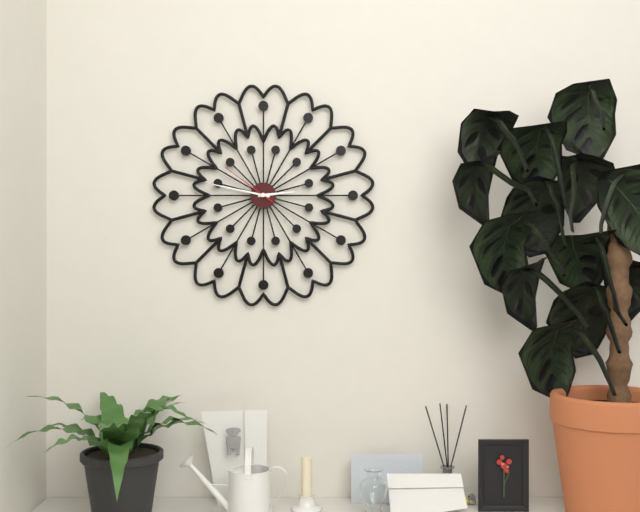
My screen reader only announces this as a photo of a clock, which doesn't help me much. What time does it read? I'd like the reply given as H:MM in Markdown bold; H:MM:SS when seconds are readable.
**2:47:51**
